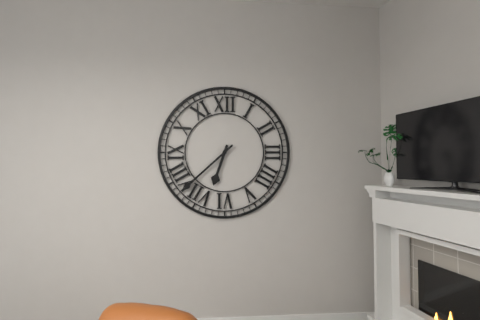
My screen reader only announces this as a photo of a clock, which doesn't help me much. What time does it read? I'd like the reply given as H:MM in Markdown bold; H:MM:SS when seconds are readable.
**6:38**
